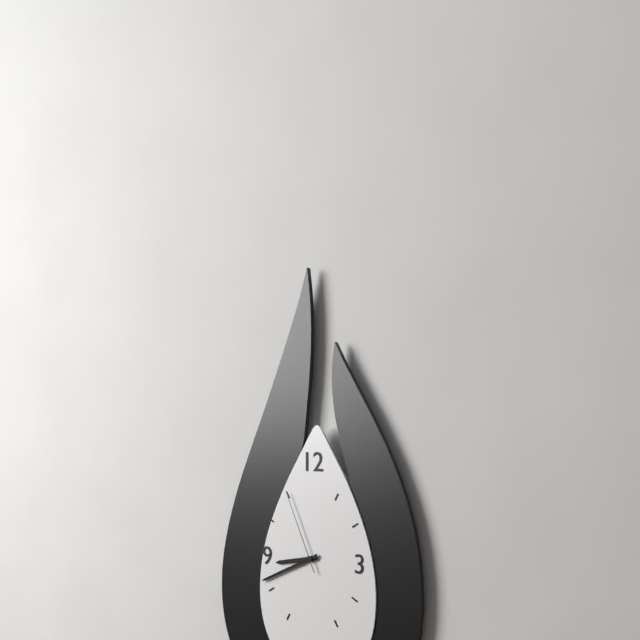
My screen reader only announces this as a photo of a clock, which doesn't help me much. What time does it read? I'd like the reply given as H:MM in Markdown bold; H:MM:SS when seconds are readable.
**8:41:56**
